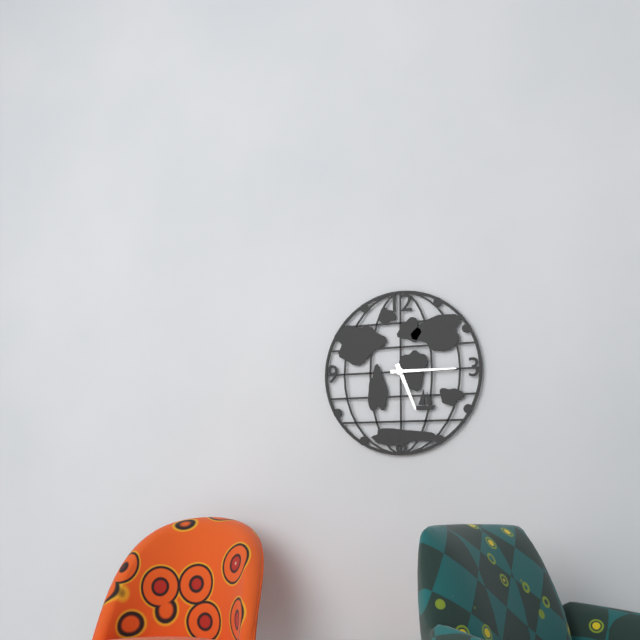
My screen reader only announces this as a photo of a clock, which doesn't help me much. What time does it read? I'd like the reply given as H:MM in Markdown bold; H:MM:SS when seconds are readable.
**5:15**
